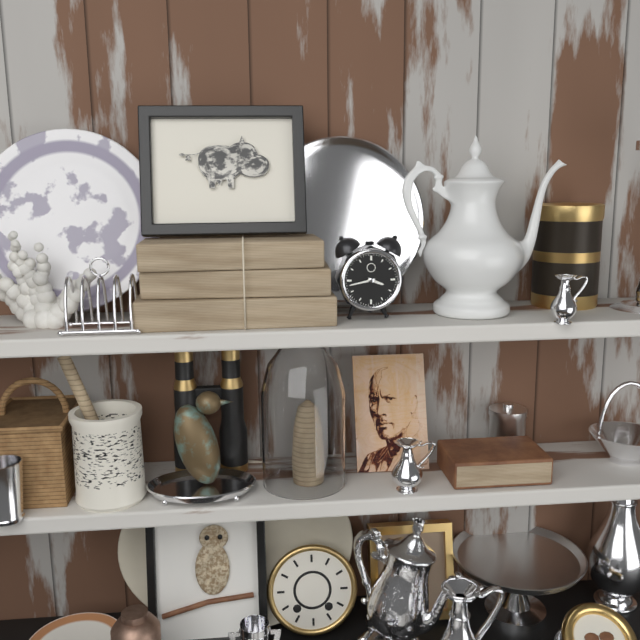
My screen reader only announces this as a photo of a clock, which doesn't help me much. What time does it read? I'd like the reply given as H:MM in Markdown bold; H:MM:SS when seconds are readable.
**3:43**
